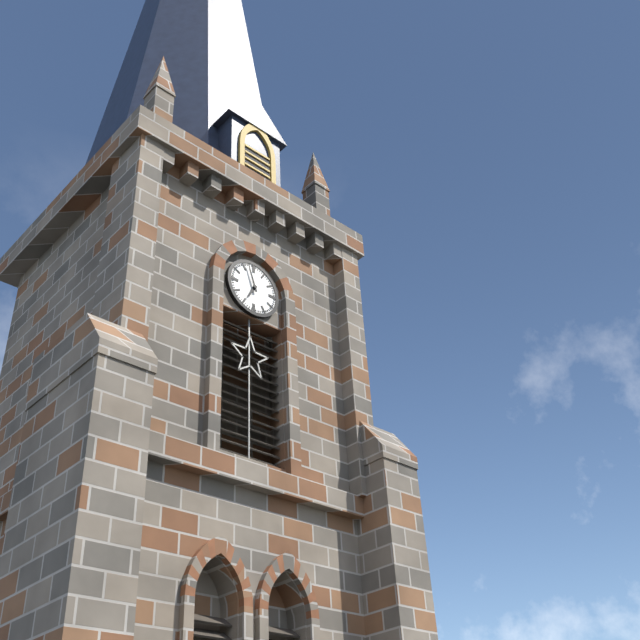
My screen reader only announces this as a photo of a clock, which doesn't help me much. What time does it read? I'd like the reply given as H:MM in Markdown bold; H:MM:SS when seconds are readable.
**6:57**
